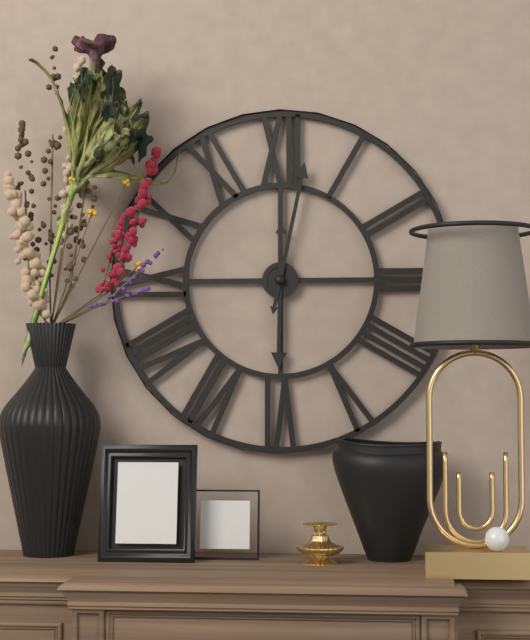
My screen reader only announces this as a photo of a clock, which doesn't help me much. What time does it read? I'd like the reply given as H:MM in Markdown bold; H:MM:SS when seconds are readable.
**6:02**
